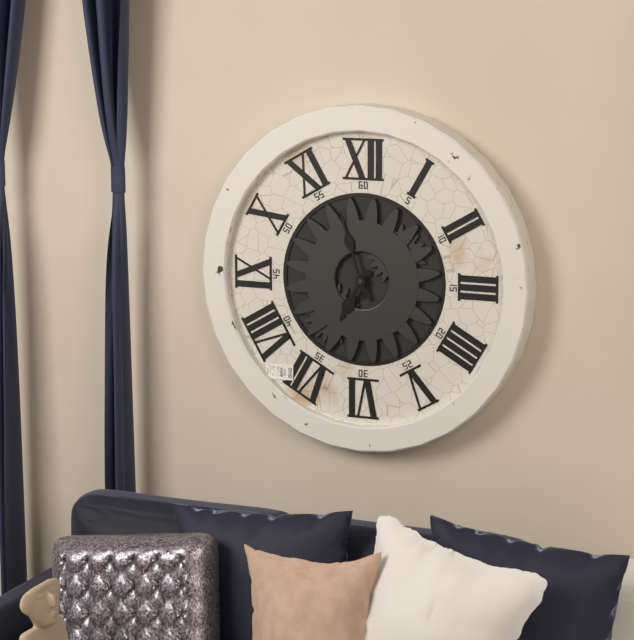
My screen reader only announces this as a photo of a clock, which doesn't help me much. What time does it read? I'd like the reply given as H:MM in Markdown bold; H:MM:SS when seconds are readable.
**6:57**
